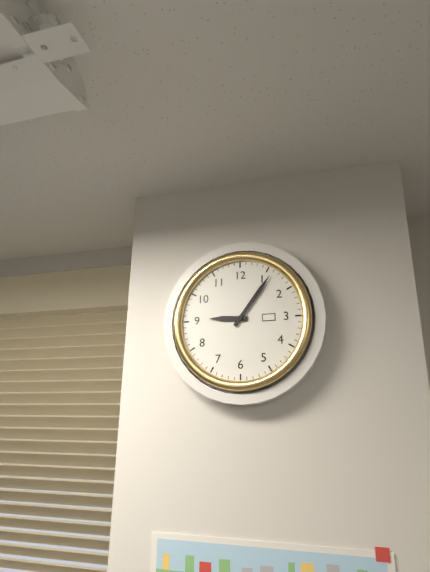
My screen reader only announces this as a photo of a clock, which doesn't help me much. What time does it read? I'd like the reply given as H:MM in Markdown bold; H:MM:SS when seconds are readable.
**9:06**
